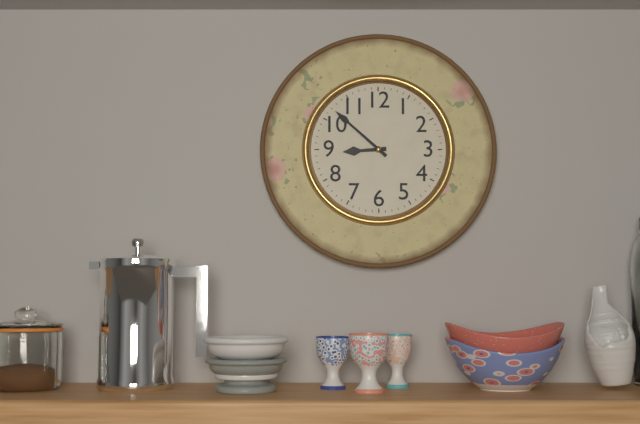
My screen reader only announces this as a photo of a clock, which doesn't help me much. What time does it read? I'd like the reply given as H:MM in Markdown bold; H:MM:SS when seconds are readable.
**8:52**
